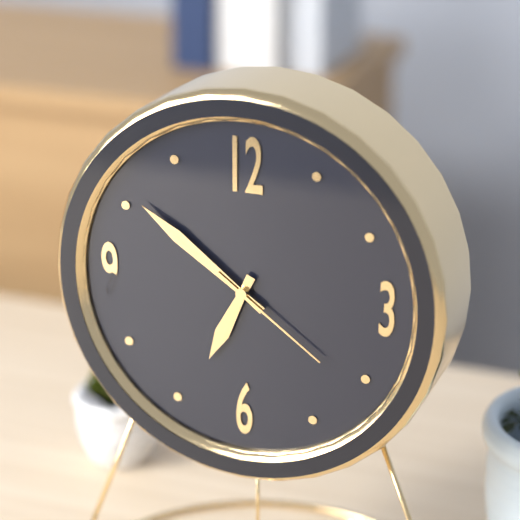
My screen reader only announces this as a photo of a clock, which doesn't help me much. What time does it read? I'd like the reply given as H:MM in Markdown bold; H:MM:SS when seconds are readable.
**6:51:21**
